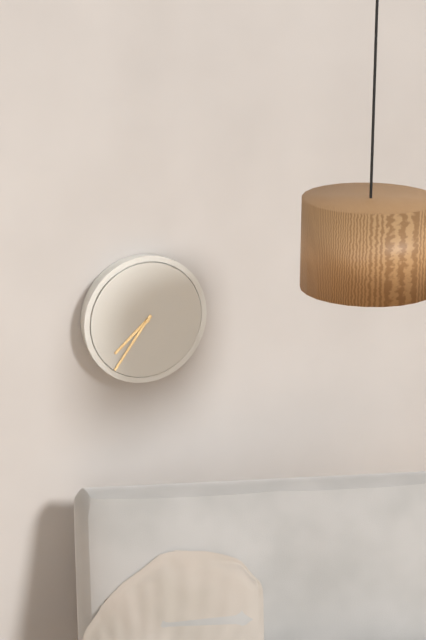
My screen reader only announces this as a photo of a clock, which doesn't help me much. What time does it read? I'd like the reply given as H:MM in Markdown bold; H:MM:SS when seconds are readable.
**7:36**
